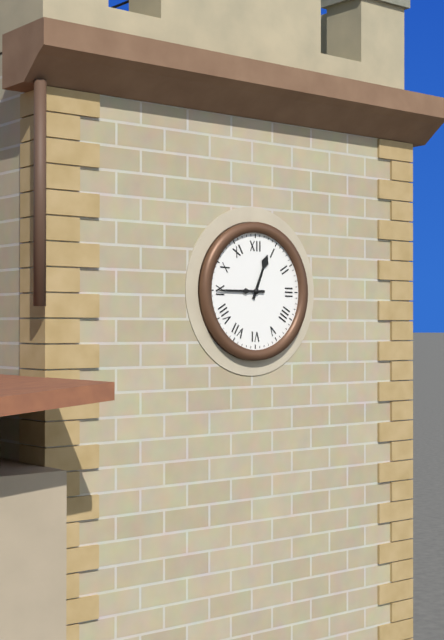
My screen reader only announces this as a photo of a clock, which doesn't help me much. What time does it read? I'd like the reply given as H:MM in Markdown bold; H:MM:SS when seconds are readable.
**12:45**
